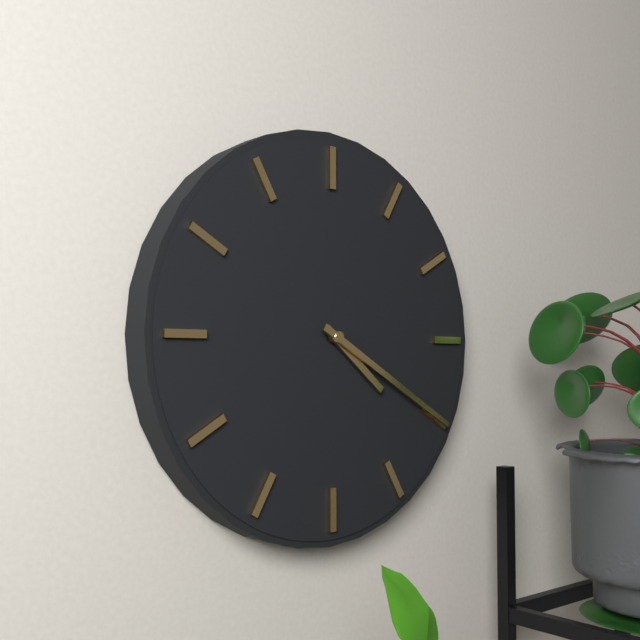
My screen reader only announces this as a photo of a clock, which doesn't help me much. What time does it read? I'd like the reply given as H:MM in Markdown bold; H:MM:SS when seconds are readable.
**4:20**
